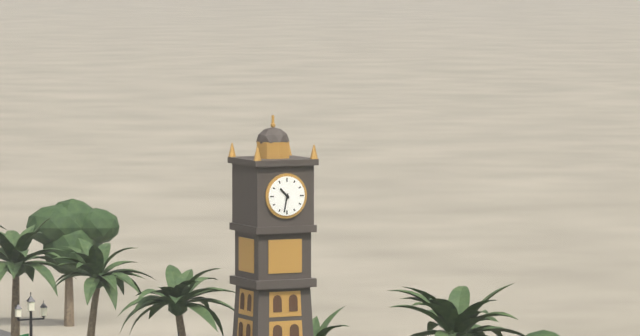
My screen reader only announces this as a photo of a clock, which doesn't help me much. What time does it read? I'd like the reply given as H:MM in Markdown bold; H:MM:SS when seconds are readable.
**10:32**
